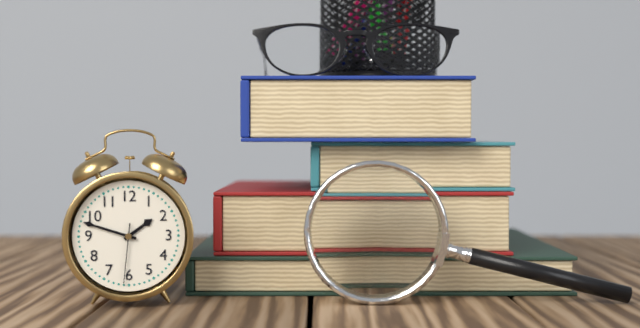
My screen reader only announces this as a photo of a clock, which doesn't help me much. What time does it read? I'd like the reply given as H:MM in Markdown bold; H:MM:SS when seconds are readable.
**1:48:31**
